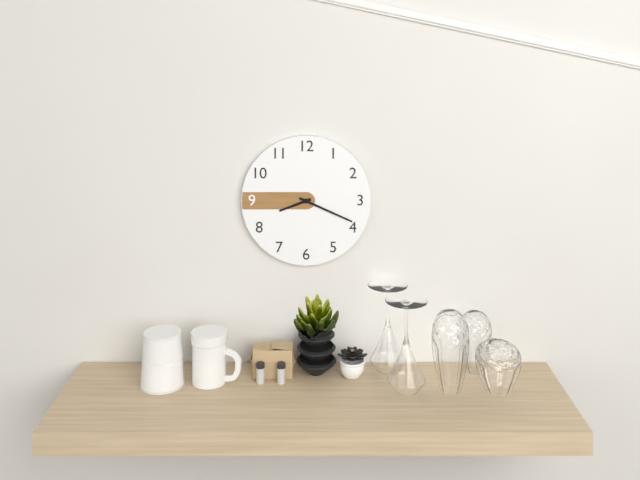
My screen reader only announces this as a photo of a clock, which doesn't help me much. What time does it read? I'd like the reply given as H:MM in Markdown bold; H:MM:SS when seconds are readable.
**8:19**
